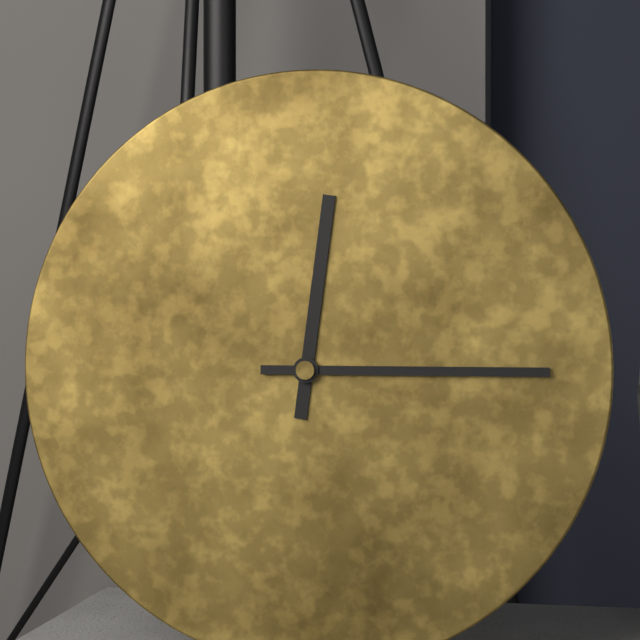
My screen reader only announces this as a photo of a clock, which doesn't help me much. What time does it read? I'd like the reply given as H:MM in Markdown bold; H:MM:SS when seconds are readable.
**12:15**
